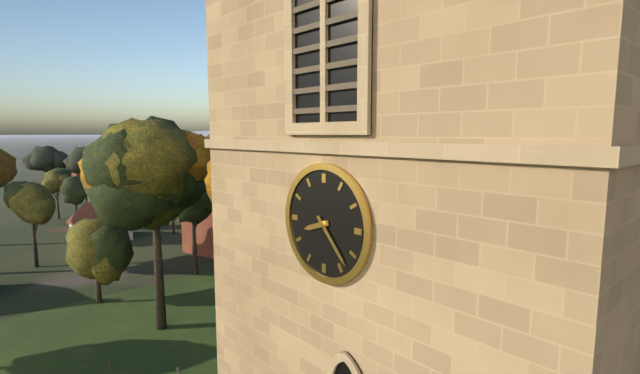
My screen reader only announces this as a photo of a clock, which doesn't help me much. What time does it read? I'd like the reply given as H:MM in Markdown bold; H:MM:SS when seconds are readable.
**8:23**
